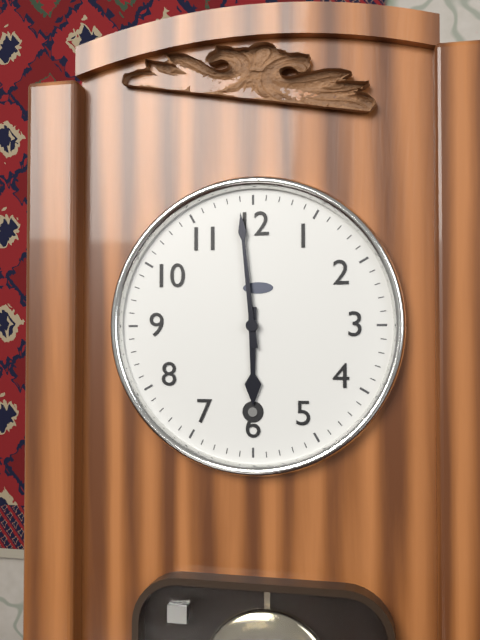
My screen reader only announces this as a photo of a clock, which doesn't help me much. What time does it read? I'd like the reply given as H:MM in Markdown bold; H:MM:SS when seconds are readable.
**5:59**
